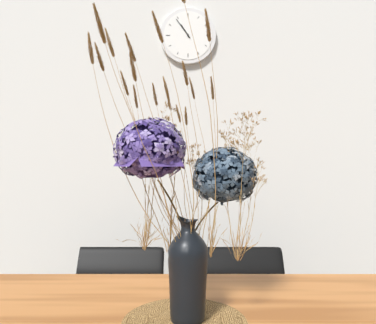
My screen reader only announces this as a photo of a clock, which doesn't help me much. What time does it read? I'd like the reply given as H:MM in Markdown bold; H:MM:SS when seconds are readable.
**10:54**
